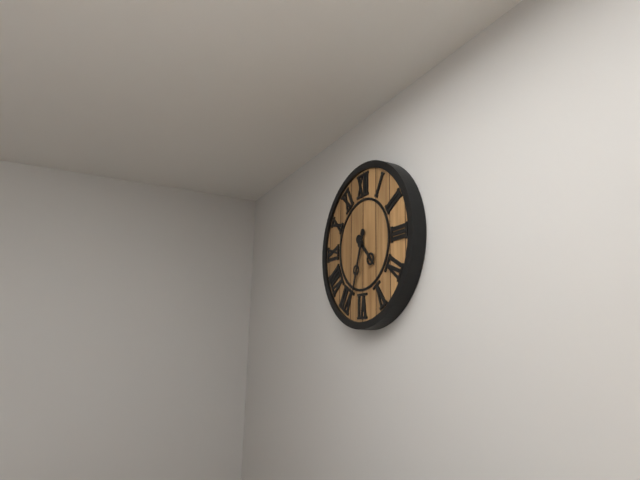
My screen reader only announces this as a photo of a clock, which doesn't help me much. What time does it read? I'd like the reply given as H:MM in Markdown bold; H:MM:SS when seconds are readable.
**4:33**
